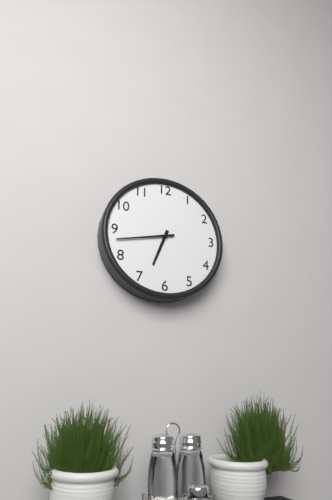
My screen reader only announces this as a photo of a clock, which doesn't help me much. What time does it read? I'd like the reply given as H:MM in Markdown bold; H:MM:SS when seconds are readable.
**6:43**
